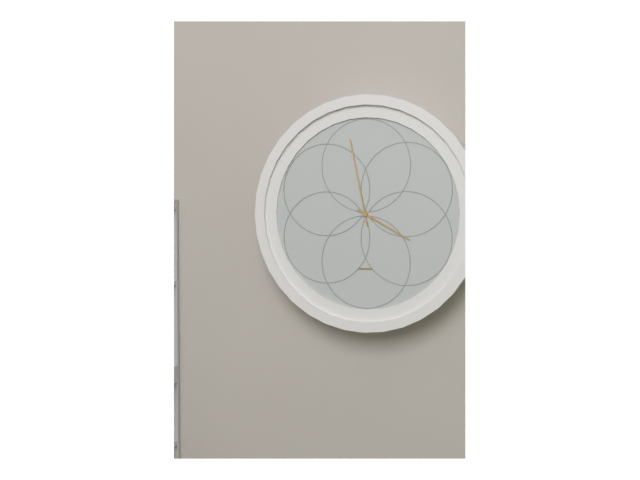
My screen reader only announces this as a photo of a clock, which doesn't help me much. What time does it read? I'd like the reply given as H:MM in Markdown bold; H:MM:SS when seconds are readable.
**3:58**
